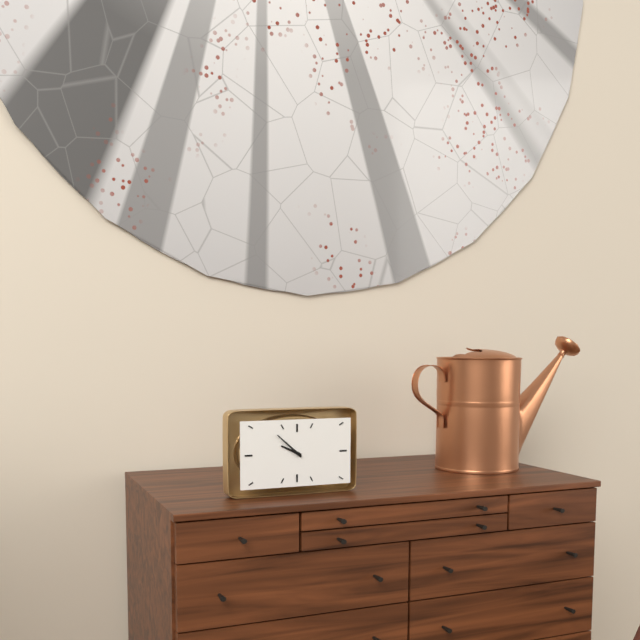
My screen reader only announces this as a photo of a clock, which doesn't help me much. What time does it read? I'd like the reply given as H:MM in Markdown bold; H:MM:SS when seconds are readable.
**9:52**
